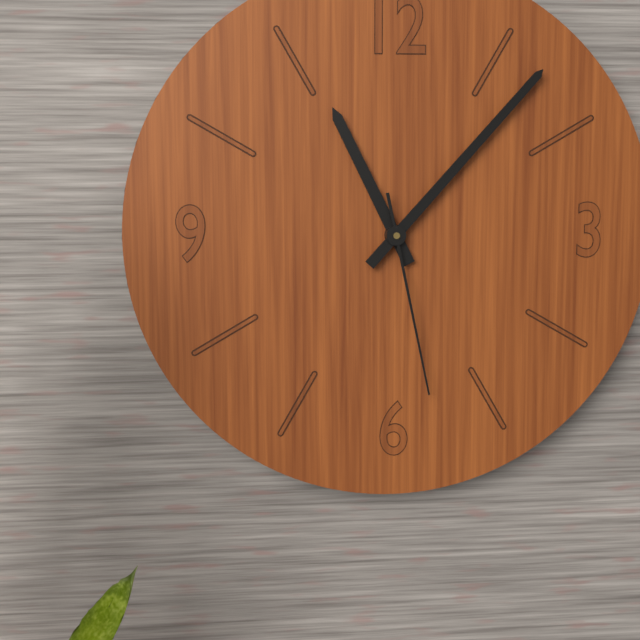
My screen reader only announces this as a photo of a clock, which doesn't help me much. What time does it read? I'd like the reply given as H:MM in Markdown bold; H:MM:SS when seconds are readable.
**11:07:28**
